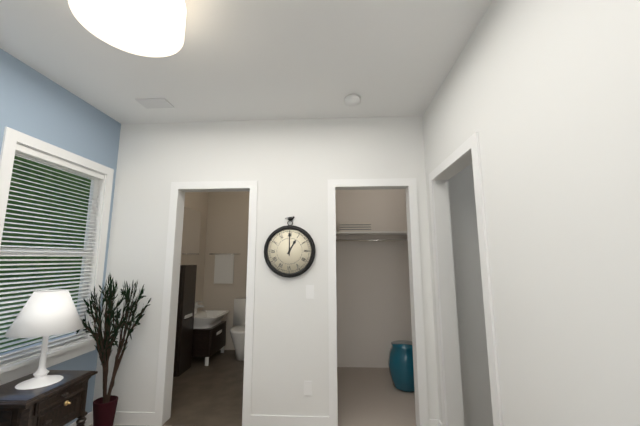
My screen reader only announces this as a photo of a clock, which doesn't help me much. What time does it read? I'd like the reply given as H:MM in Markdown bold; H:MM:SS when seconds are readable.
**1:00**
